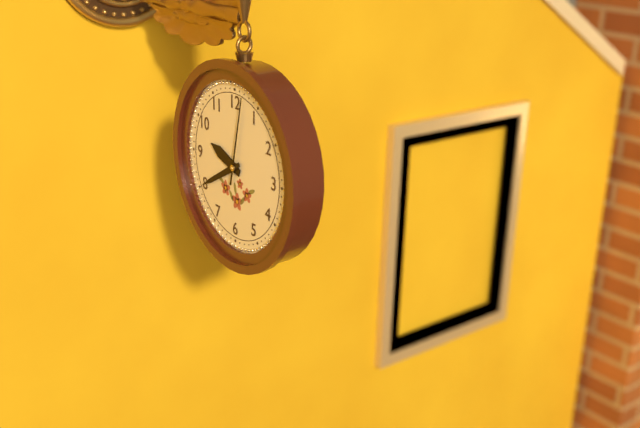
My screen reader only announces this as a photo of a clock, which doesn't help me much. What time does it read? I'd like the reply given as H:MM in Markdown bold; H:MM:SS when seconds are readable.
**9:40:02**
